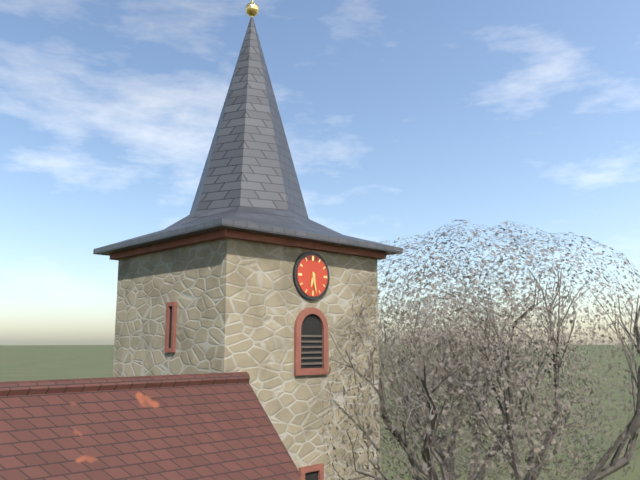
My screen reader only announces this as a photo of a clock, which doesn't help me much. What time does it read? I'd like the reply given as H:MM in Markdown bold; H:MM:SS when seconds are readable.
**6:28**
